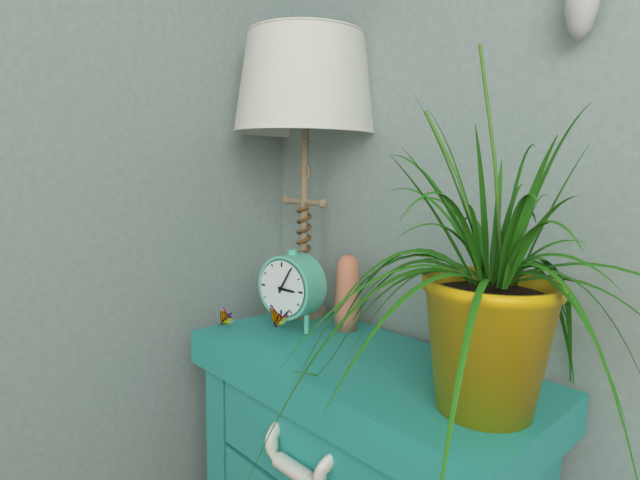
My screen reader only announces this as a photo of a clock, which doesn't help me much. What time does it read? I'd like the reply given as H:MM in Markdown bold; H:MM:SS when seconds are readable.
**3:05**
